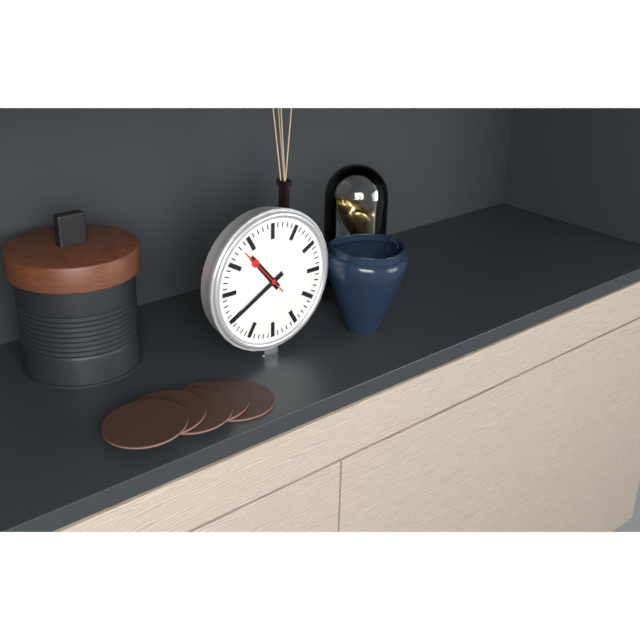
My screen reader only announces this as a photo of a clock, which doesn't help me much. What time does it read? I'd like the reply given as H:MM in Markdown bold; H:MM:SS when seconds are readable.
**10:40**
